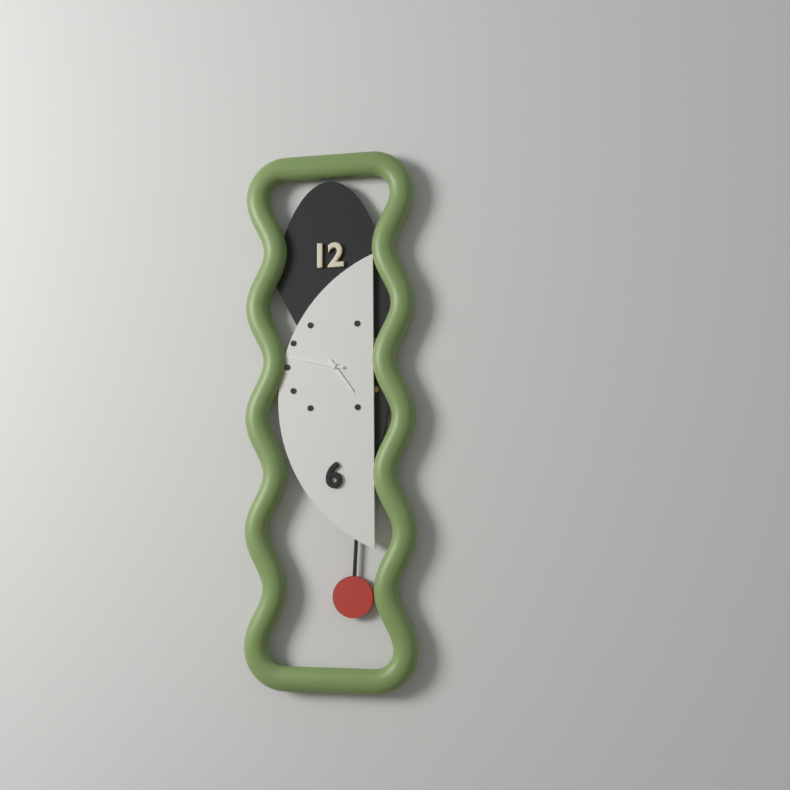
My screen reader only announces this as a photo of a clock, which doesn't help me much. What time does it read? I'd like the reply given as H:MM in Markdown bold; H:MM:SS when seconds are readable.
**4:47**
